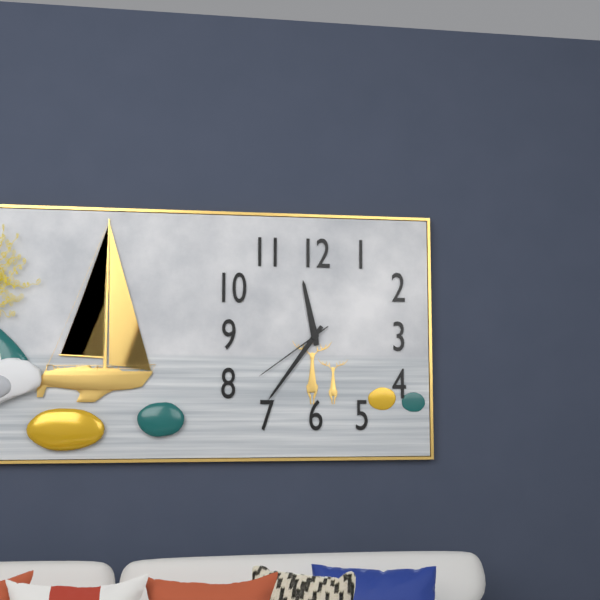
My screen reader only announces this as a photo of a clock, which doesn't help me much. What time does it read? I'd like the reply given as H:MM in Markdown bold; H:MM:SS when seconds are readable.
**11:36:39**
